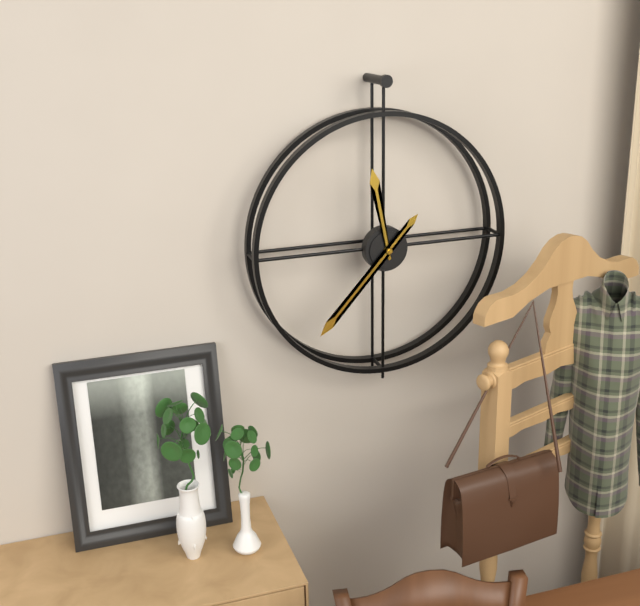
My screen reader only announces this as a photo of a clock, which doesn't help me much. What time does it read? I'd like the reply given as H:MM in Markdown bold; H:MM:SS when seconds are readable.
**11:37**
